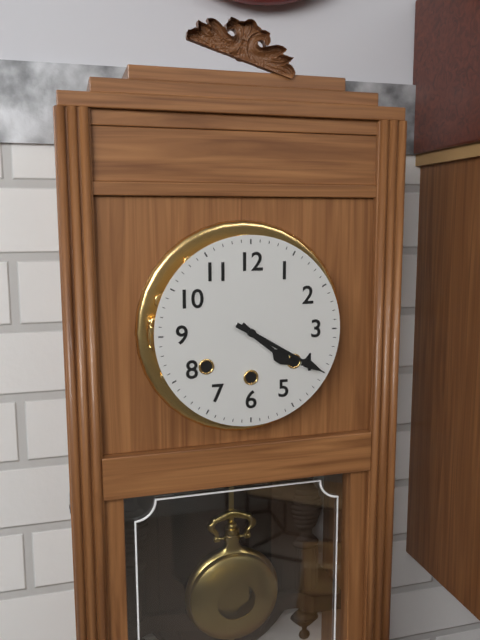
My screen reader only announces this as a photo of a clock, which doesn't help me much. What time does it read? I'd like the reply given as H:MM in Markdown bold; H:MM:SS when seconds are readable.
**4:20**
